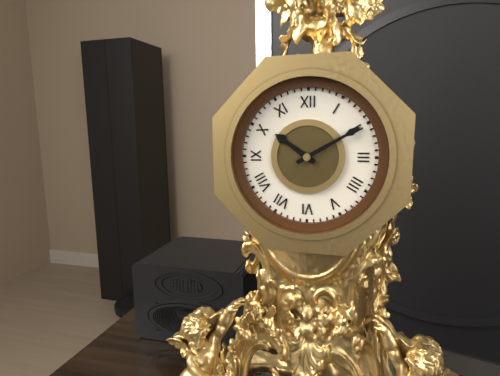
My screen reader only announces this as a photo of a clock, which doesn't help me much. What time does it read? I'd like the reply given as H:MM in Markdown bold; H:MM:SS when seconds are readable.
**10:10**
